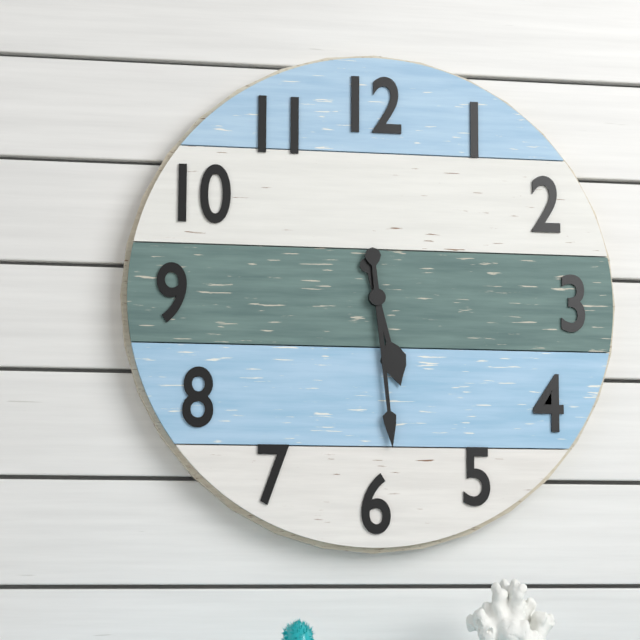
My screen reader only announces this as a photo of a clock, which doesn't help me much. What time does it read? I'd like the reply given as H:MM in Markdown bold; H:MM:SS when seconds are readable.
**5:29**
